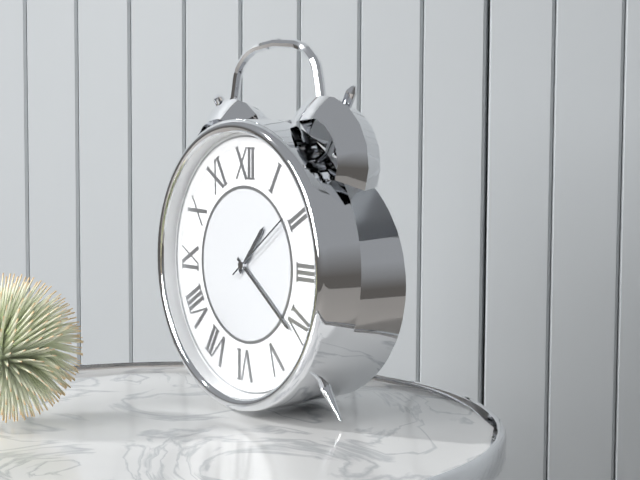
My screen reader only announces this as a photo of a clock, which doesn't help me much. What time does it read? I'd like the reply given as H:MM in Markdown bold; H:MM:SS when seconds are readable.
**1:21:09**
